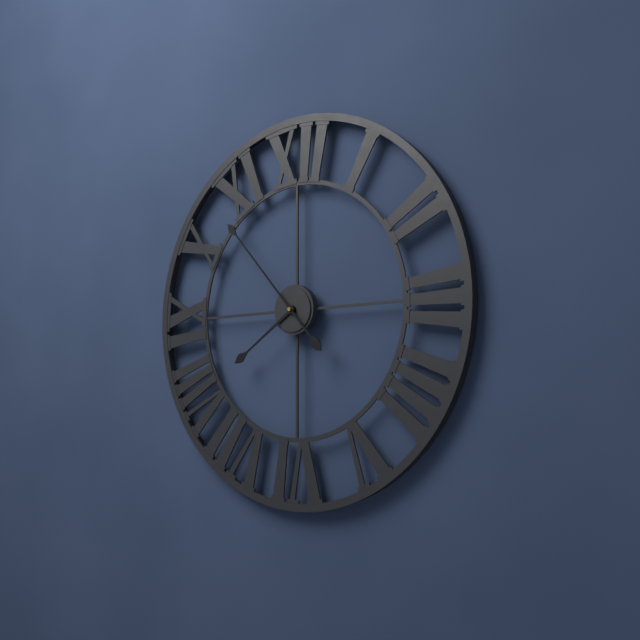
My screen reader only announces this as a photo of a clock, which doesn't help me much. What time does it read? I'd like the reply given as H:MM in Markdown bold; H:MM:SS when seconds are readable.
**7:53**
